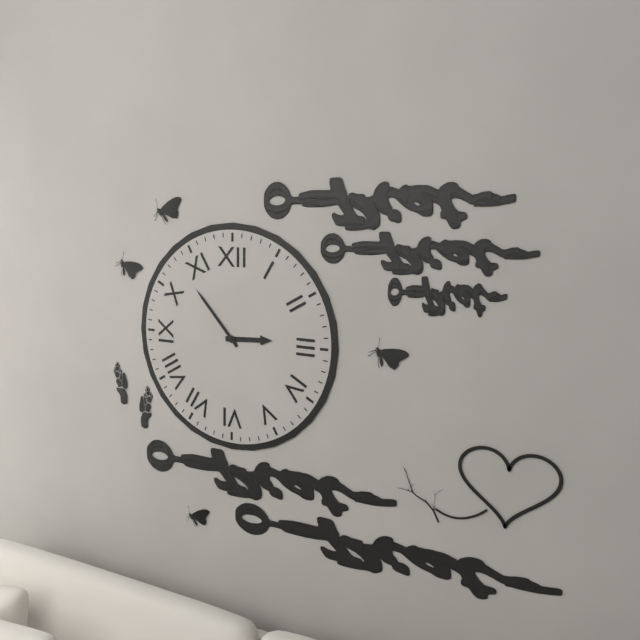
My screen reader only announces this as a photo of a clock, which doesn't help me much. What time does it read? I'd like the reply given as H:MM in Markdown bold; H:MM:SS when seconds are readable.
**2:53**
